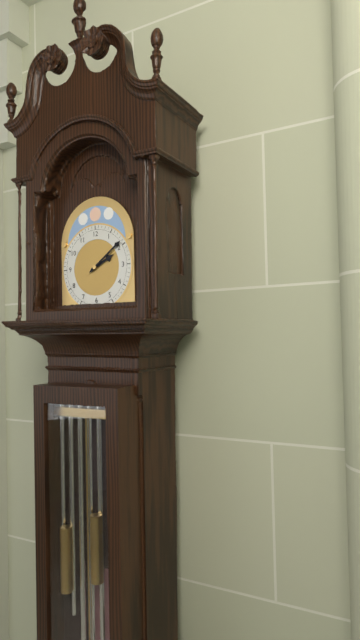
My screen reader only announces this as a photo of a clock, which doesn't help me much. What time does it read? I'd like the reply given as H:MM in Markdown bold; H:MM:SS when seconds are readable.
**2:09**
